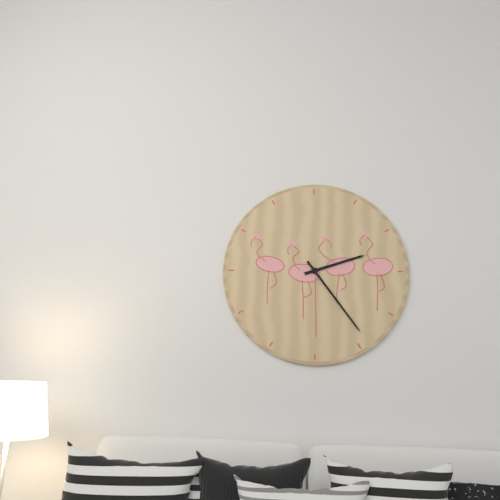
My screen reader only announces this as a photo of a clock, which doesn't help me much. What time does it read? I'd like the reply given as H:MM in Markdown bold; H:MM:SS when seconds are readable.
**2:24**
